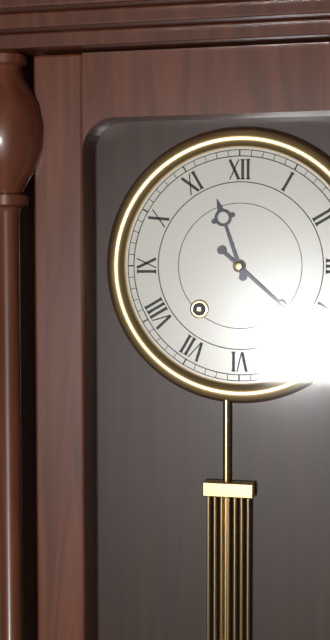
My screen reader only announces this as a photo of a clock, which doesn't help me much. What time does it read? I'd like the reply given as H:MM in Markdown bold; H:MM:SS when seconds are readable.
**11:22**
